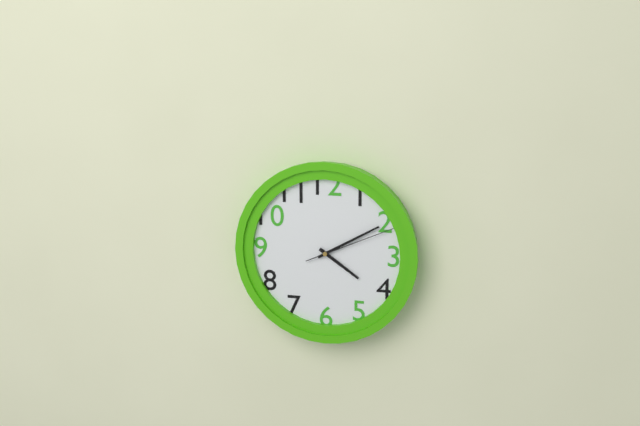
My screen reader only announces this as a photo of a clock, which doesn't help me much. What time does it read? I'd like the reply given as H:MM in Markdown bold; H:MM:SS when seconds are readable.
**4:10:11**
